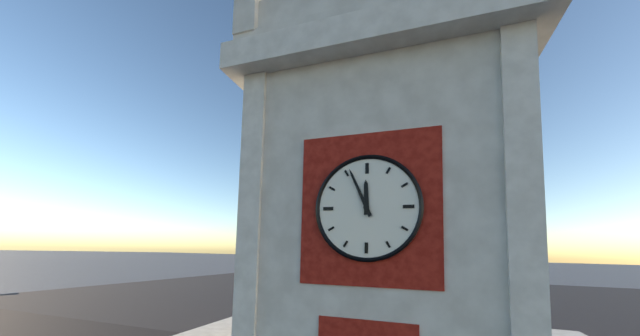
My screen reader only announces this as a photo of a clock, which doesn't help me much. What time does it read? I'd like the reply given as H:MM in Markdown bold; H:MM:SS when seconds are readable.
**11:56**
